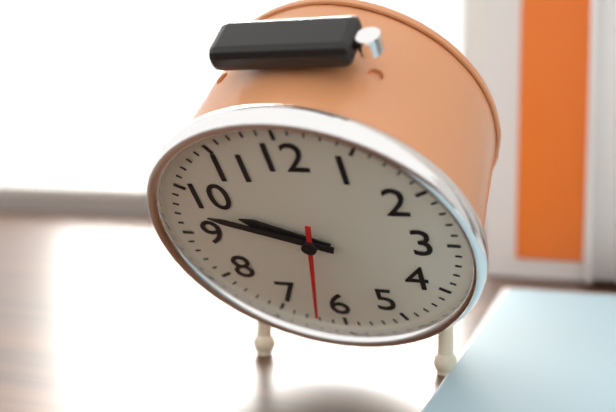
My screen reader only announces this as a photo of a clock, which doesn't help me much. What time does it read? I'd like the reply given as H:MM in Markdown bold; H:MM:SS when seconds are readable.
**9:48:32**
